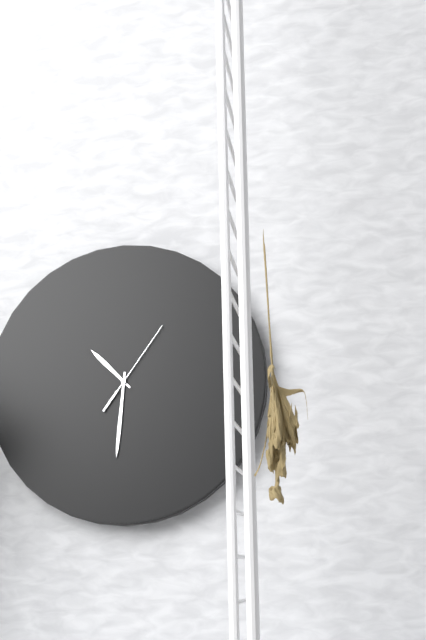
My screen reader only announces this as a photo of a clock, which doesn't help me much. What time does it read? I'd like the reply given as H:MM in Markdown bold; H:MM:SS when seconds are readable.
**10:31:06**
